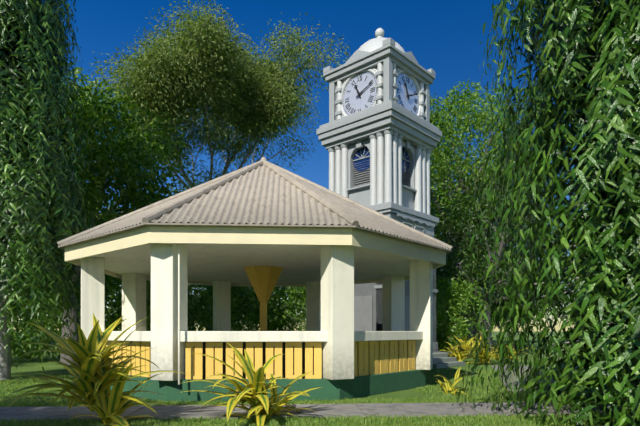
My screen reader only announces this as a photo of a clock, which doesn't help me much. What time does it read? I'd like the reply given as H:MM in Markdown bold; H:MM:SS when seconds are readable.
**11:11**
